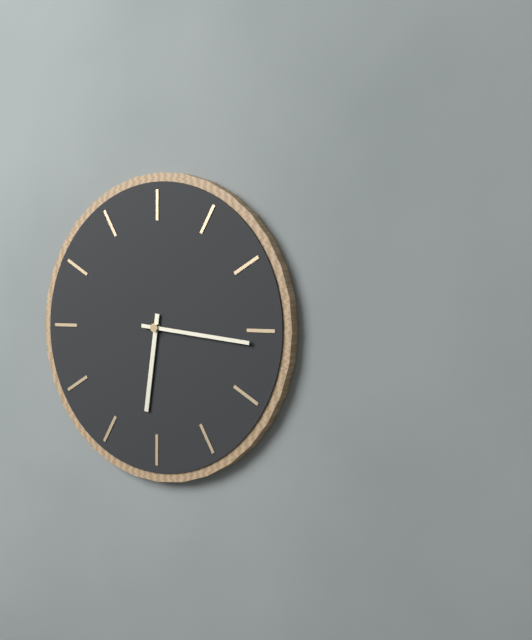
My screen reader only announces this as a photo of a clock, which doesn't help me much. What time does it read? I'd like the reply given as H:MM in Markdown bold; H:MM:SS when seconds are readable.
**6:16**
